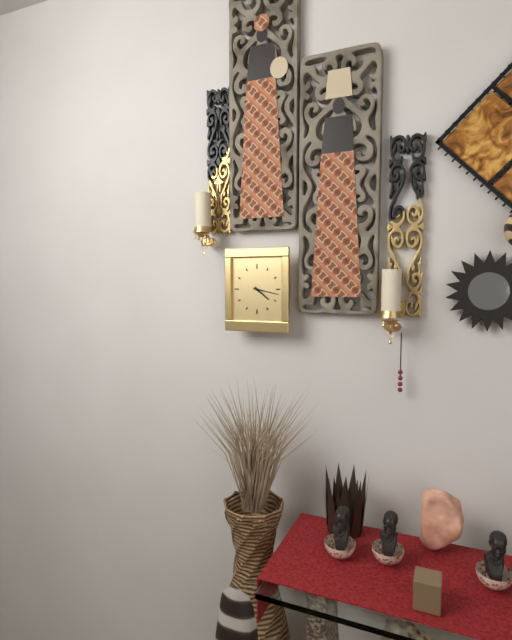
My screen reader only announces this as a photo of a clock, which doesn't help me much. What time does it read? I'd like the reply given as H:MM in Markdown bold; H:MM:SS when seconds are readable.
**4:17**
